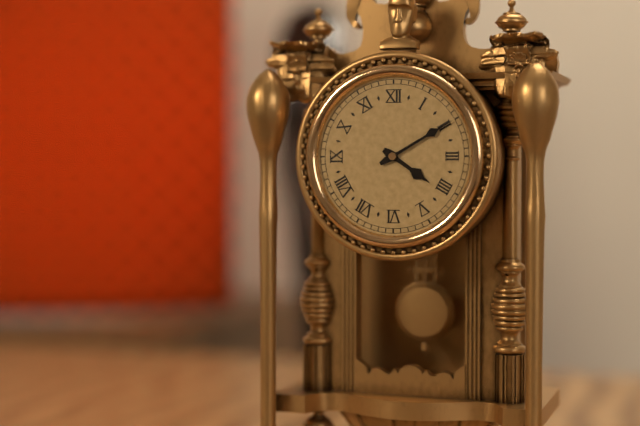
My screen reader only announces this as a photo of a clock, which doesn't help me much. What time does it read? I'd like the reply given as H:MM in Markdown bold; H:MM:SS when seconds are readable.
**4:10**
